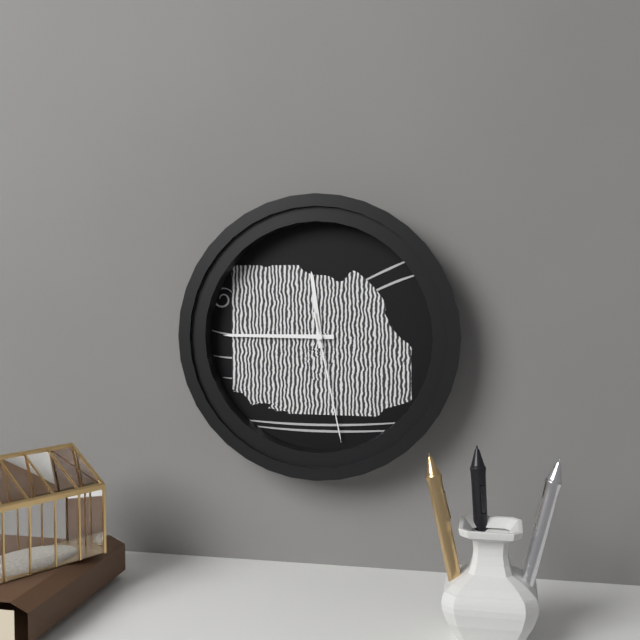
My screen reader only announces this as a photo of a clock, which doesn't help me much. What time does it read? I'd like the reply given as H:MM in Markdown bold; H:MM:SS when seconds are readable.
**11:45:28**
